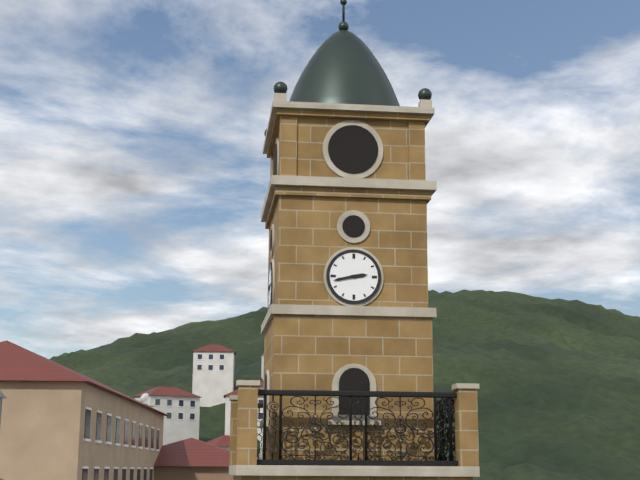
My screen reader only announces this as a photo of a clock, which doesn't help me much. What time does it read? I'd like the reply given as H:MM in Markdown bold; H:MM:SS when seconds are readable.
**2:43**
